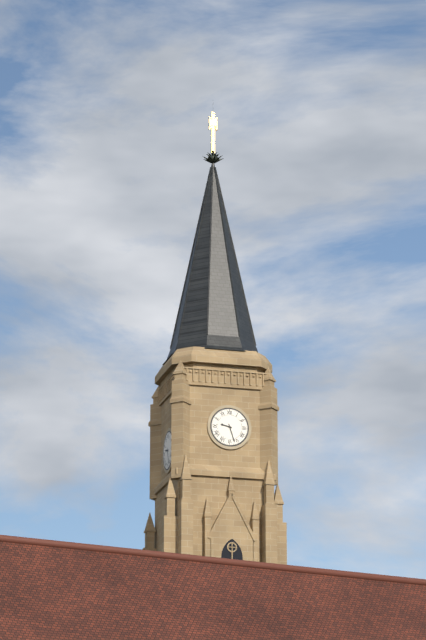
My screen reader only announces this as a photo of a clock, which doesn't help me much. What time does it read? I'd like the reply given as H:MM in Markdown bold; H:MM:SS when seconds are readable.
**9:27**
